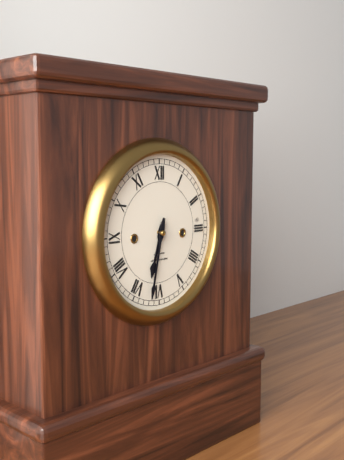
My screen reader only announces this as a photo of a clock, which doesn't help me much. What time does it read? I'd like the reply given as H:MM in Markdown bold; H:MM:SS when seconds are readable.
**6:32**
